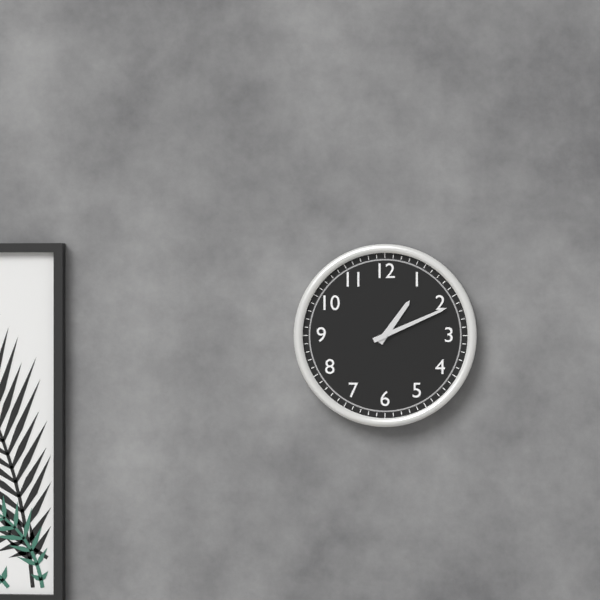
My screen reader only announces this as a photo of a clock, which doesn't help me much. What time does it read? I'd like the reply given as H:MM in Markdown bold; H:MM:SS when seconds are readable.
**1:11**
